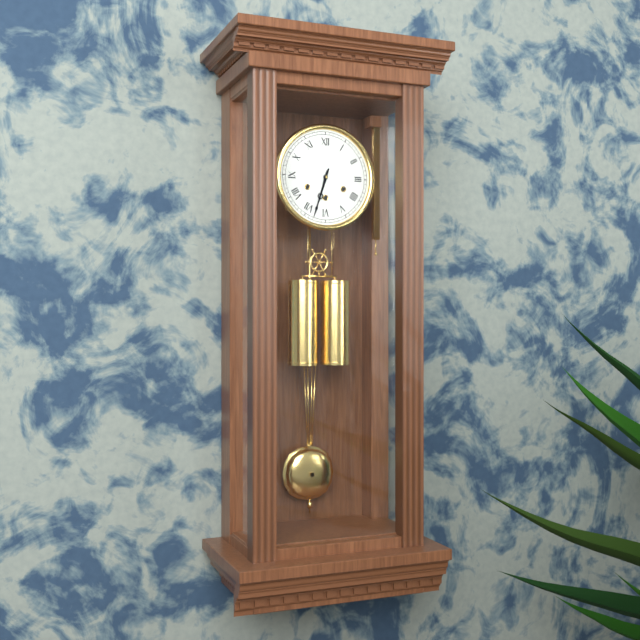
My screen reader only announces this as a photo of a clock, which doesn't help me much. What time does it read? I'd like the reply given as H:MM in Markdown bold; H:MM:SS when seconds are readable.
**6:33**
